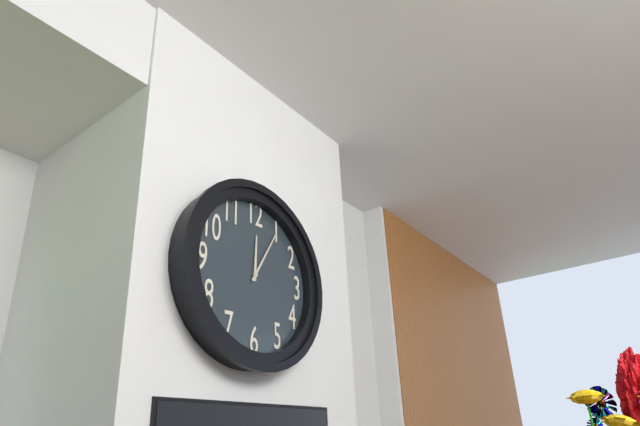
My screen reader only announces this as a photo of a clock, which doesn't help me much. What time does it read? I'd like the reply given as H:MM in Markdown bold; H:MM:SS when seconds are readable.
**12:05**
